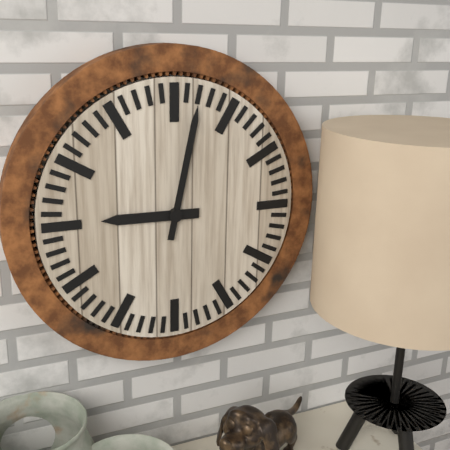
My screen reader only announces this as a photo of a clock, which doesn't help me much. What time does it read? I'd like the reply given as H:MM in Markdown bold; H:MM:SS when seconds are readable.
**9:02**
